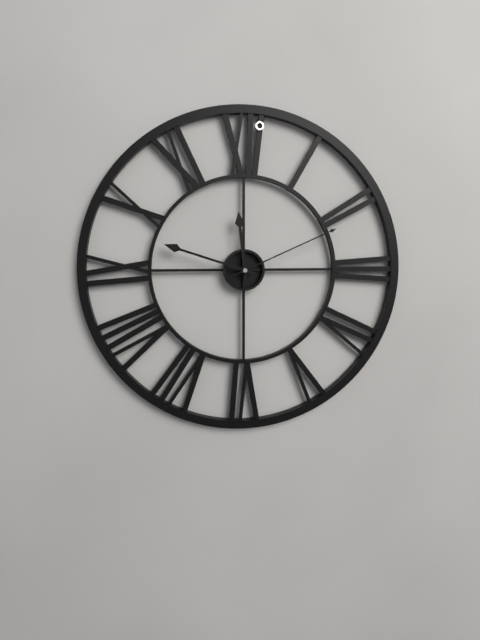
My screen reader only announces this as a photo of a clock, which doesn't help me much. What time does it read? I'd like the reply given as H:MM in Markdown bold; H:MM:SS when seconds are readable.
**11:48:11**
